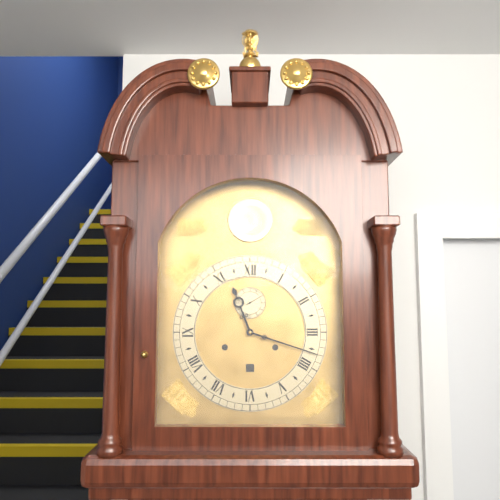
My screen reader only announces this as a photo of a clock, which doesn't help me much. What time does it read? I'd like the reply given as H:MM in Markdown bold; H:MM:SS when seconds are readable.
**11:18**
